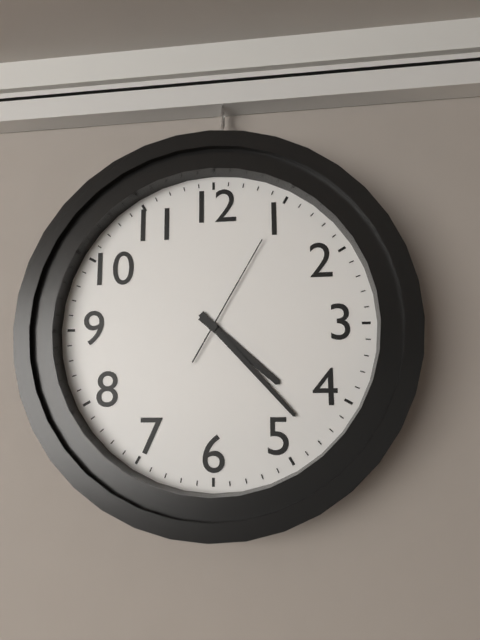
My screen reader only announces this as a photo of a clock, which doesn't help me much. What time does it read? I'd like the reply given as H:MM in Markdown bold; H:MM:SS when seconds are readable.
**4:23:05**
